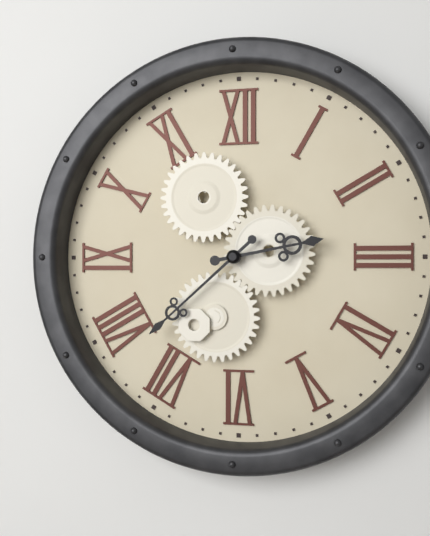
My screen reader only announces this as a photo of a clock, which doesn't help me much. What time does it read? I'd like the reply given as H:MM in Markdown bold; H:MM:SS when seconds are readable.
**2:38**
